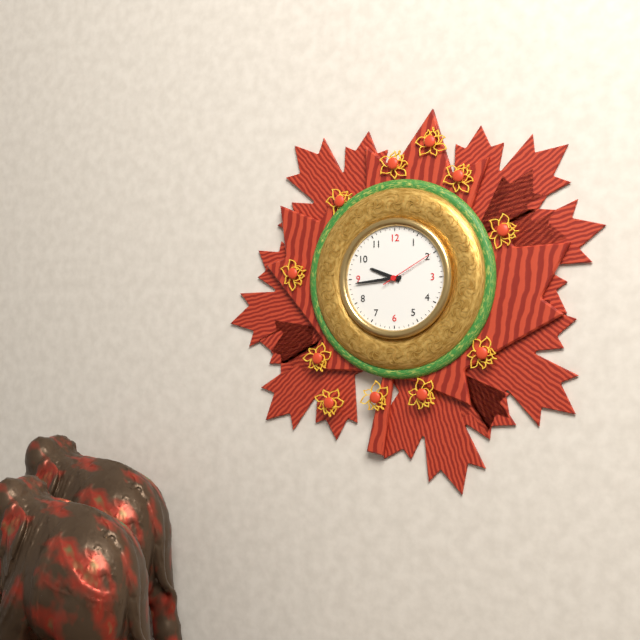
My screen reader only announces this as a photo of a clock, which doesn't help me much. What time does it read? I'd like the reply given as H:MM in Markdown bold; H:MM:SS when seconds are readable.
**9:44:10**
